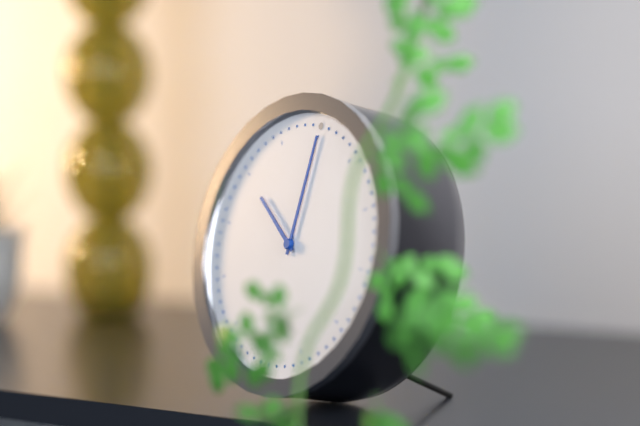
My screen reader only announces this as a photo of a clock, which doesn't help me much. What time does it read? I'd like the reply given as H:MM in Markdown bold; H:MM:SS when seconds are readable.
**10:00**
